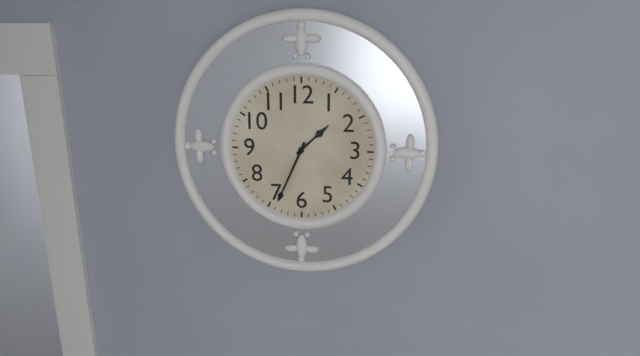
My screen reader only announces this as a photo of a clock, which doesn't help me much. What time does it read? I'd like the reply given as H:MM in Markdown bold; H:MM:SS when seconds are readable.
**1:34**
